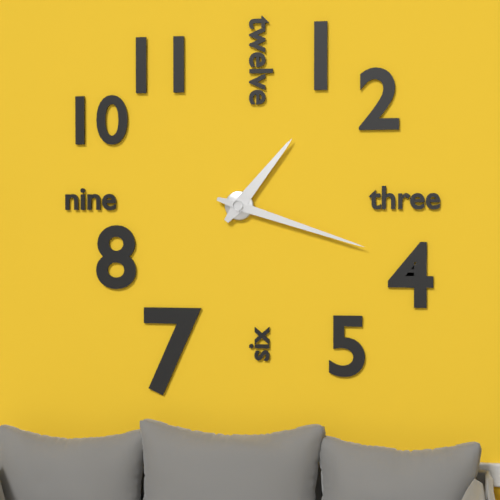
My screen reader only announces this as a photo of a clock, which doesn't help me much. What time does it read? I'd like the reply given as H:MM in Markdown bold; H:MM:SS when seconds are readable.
**1:18**
